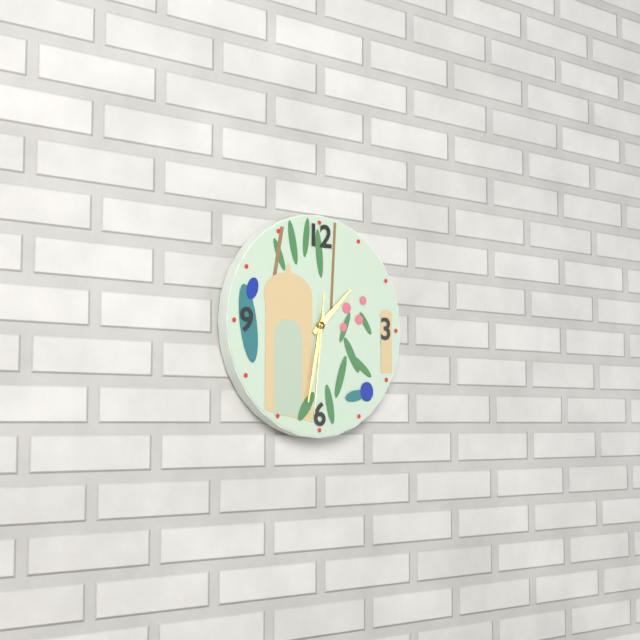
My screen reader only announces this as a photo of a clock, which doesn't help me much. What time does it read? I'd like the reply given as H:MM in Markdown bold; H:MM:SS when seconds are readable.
**1:32:31**
